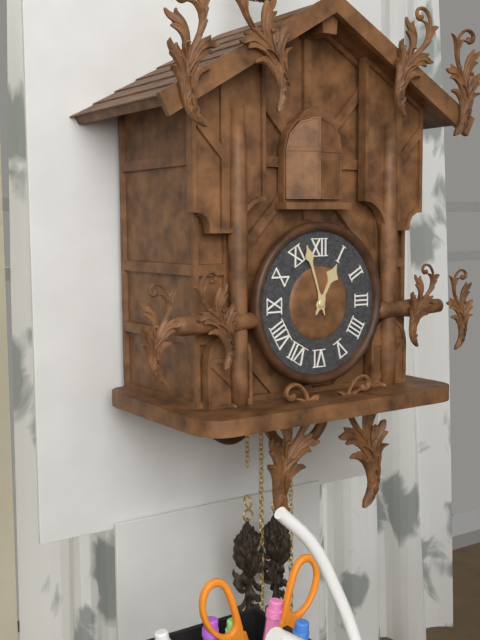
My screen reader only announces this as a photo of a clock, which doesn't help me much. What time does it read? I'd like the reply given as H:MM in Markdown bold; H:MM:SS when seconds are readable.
**12:57**
